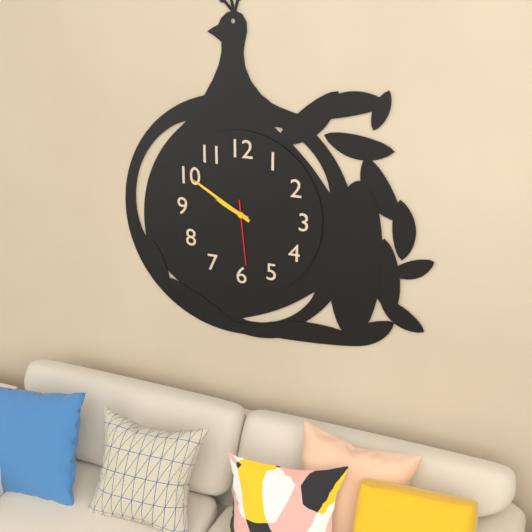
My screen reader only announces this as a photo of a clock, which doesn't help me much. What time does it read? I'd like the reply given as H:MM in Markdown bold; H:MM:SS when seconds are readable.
**9:50:29**
